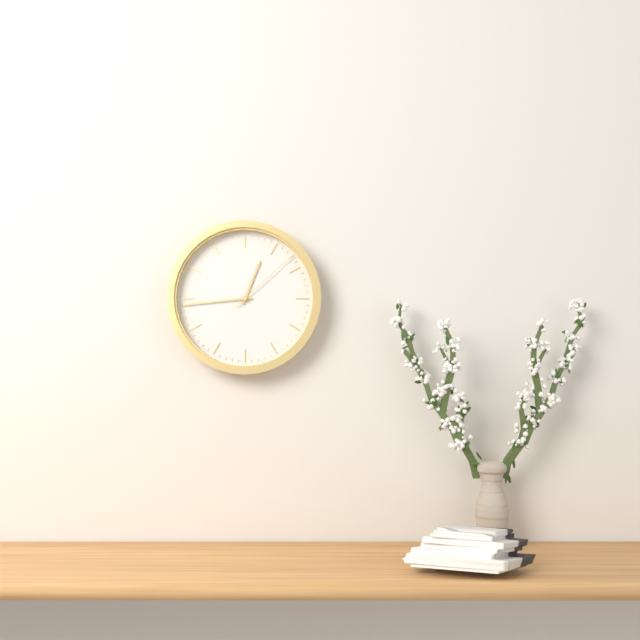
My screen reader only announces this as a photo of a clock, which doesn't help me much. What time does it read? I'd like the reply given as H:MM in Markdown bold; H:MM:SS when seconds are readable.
**12:44:08**
